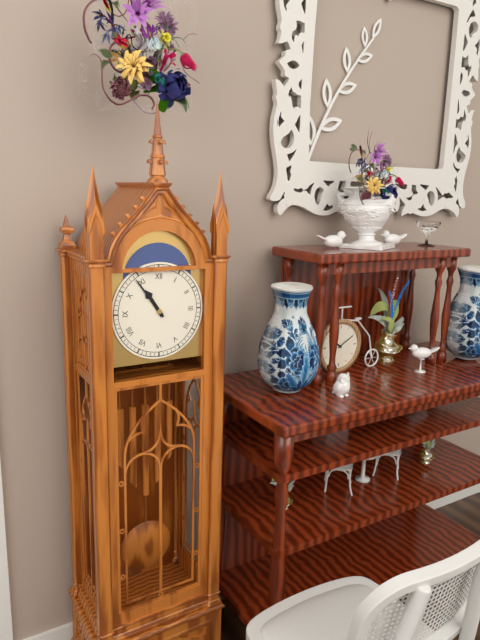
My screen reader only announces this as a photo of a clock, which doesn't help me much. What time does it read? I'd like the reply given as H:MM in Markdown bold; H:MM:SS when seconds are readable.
**10:54**
